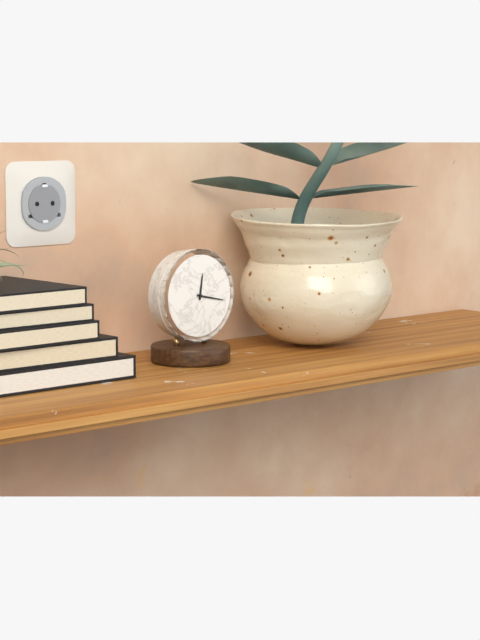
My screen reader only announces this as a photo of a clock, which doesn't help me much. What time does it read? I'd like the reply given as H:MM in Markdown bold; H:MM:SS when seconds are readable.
**12:17**
